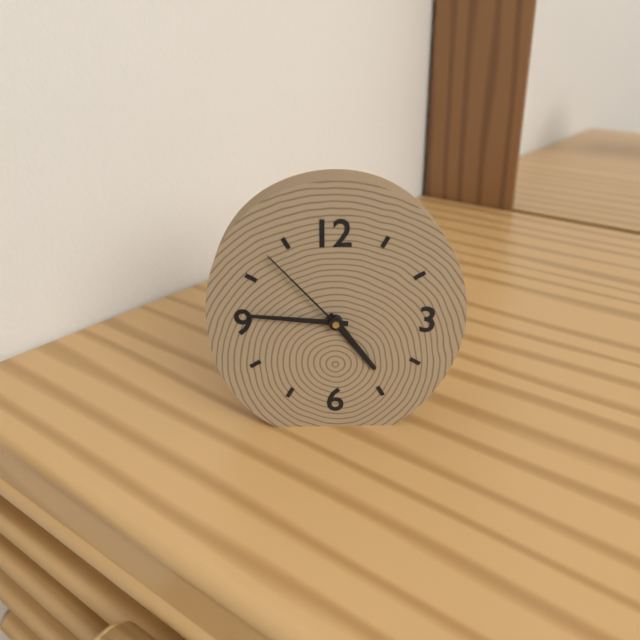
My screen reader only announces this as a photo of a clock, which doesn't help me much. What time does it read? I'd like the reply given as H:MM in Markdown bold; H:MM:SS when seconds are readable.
**4:46:53**
